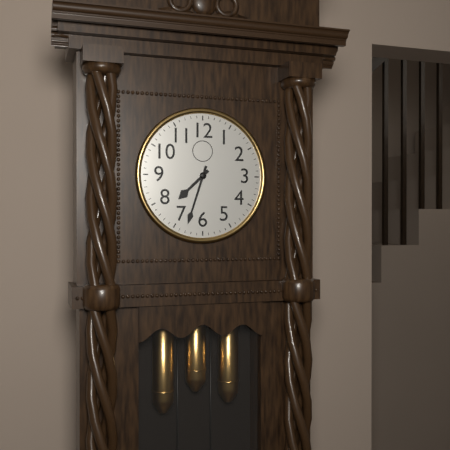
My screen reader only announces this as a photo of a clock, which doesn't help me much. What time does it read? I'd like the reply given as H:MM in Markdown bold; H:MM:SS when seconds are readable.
**7:33**
